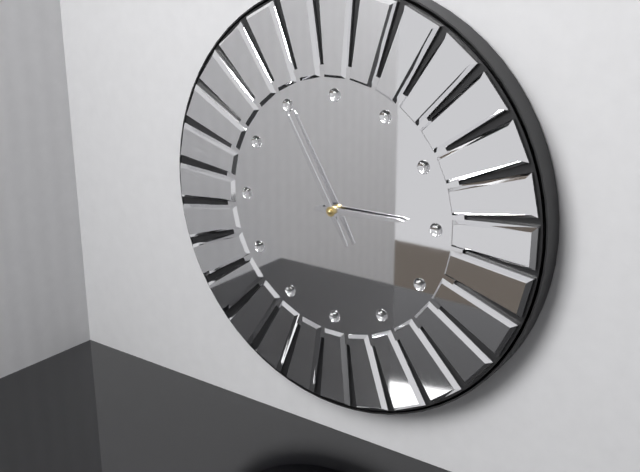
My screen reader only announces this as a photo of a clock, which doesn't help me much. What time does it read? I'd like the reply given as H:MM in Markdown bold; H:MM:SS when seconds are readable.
**2:55**
